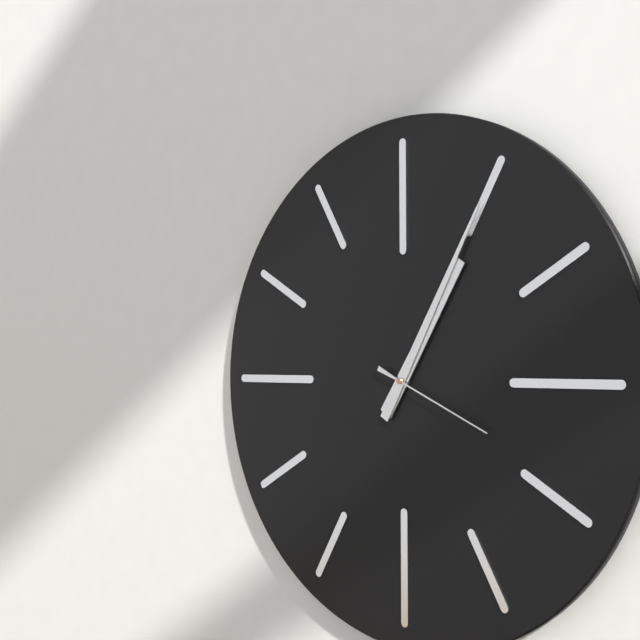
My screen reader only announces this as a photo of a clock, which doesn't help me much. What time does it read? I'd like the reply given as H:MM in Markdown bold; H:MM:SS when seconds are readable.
**1:05:19**
